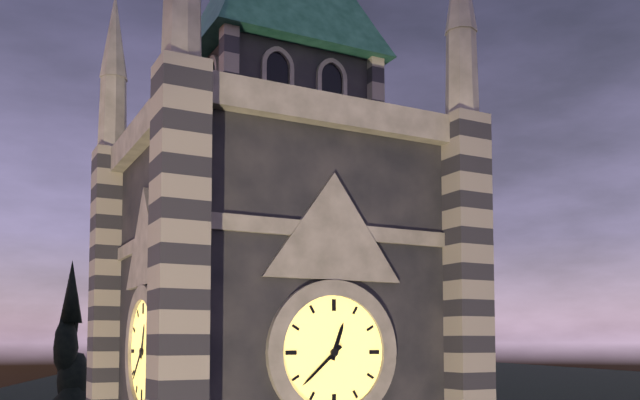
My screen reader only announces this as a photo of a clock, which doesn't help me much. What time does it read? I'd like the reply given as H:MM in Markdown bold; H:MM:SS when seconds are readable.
**12:38**
